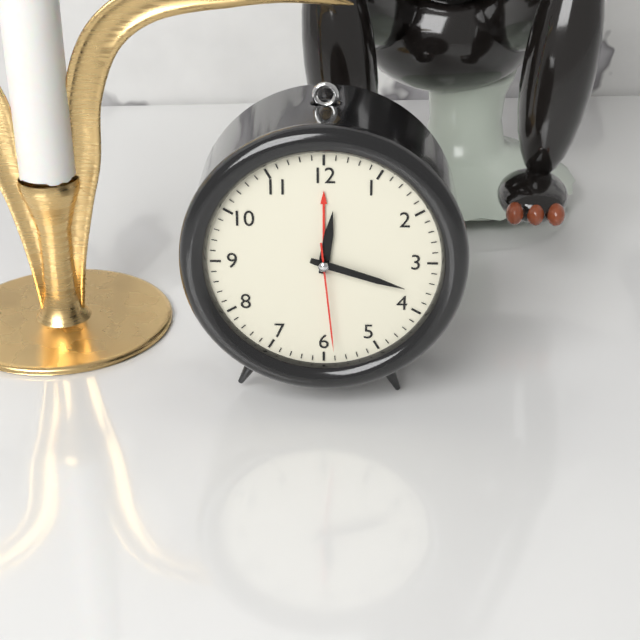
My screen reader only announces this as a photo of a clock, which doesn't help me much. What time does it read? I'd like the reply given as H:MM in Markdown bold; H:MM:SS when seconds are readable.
**12:18:29**
